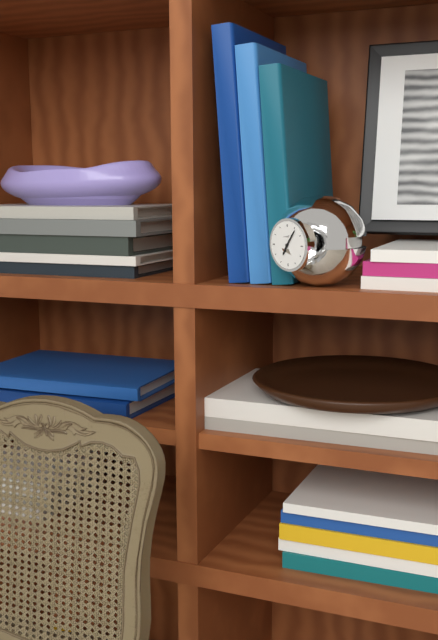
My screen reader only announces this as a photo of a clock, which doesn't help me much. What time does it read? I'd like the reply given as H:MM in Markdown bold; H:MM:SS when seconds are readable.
**7:06**
